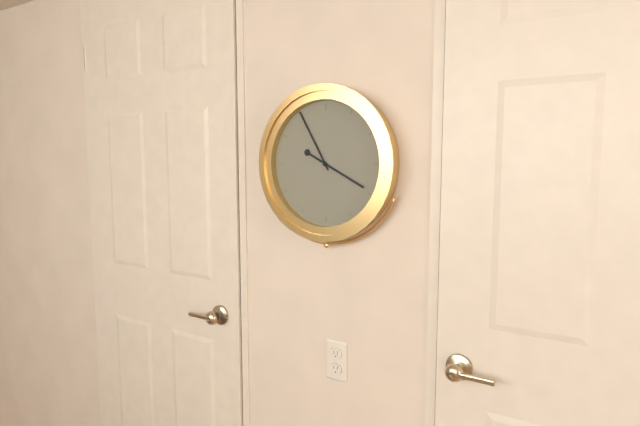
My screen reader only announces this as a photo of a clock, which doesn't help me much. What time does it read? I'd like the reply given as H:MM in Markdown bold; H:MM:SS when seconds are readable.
**3:55**
